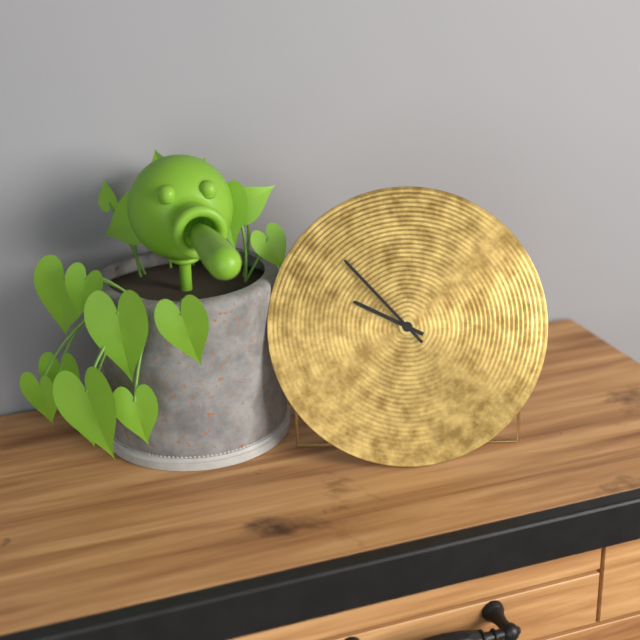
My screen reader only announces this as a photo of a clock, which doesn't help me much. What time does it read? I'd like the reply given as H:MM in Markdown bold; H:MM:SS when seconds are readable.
**9:53**
